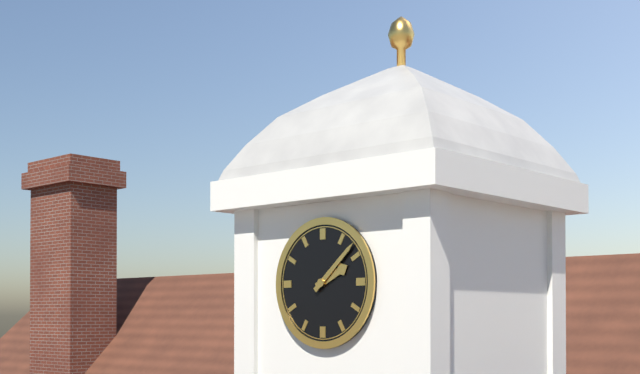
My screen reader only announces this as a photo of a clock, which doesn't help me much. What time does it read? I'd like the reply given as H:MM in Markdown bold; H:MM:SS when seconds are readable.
**2:08**
